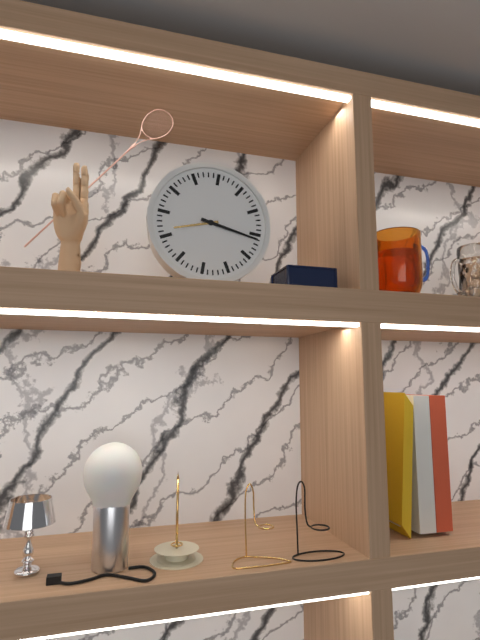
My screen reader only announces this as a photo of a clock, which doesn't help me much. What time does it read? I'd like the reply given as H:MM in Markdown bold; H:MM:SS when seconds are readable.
**8:16**
